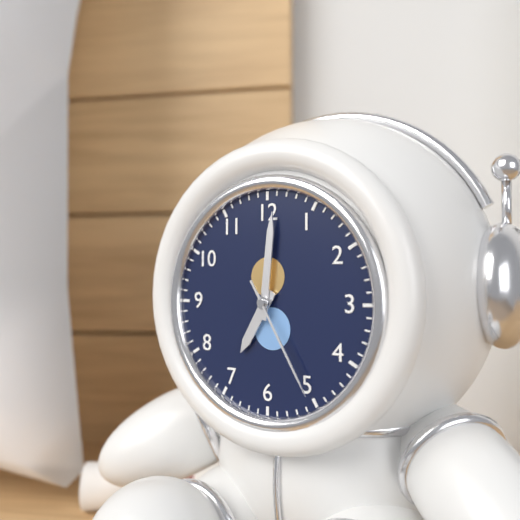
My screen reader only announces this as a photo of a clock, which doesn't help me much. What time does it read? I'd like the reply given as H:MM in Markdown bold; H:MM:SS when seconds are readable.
**7:01:25**
